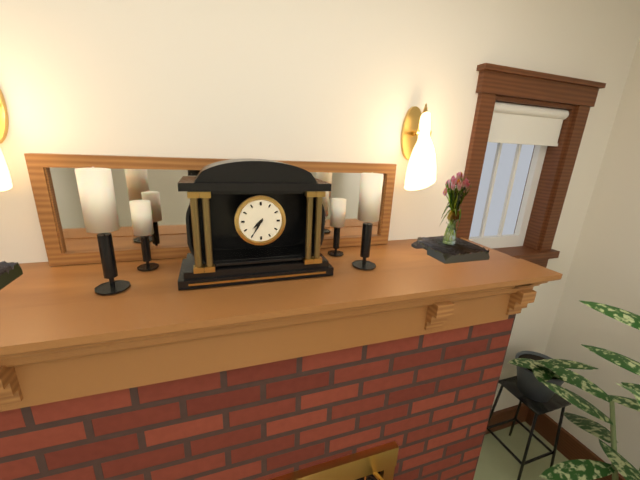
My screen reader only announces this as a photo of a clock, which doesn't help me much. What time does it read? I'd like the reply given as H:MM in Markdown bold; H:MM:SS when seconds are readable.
**7:35**
